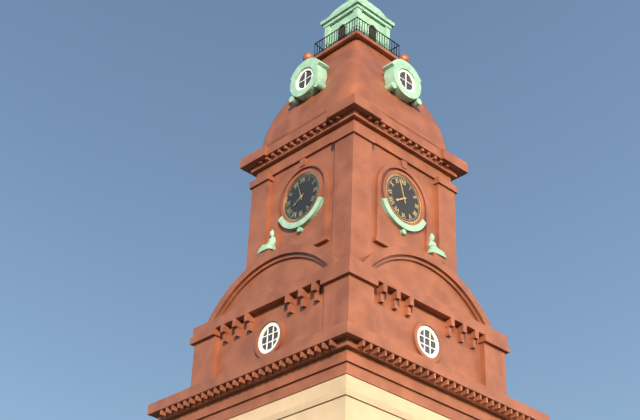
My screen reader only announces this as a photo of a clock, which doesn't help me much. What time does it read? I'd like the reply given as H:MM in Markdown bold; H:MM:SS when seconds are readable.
**7:57**
